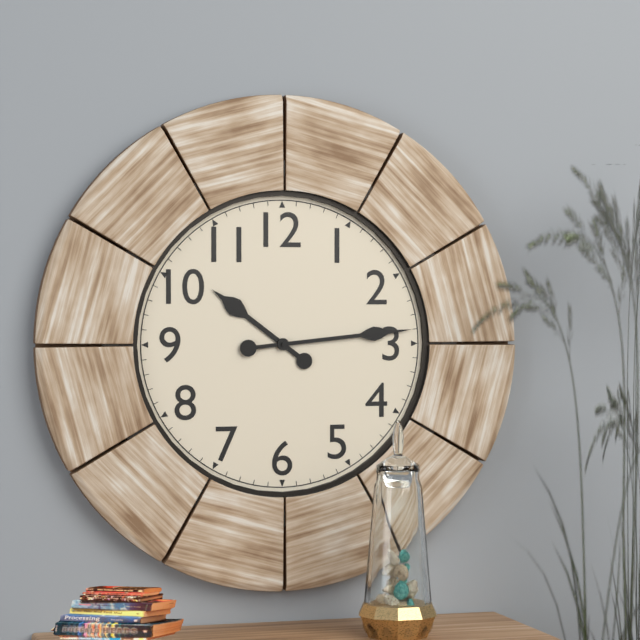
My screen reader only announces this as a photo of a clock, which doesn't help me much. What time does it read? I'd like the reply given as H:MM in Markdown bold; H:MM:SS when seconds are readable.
**10:14**
